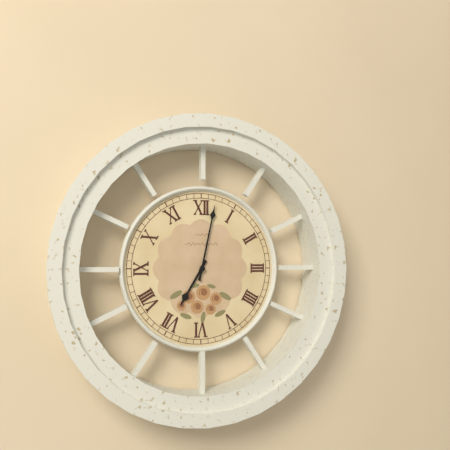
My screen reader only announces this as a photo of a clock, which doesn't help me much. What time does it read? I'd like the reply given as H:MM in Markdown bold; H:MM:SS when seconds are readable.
**7:02**
